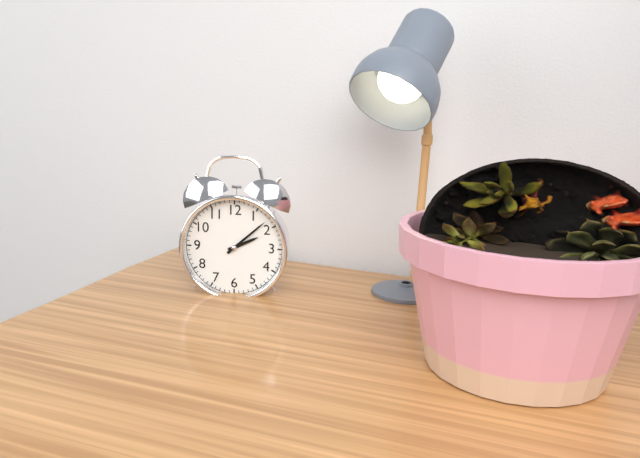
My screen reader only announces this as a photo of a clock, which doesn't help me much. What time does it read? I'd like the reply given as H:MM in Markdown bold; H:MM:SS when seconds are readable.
**2:08**
